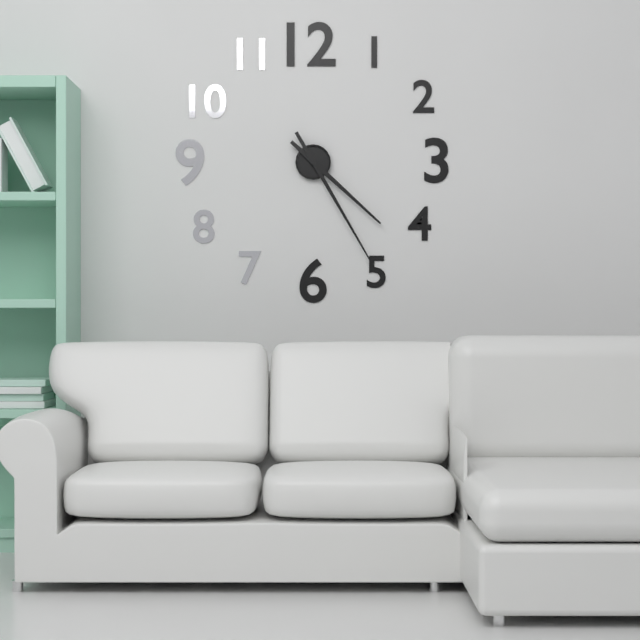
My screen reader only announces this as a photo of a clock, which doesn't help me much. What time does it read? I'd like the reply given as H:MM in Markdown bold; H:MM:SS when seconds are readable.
**4:25**
